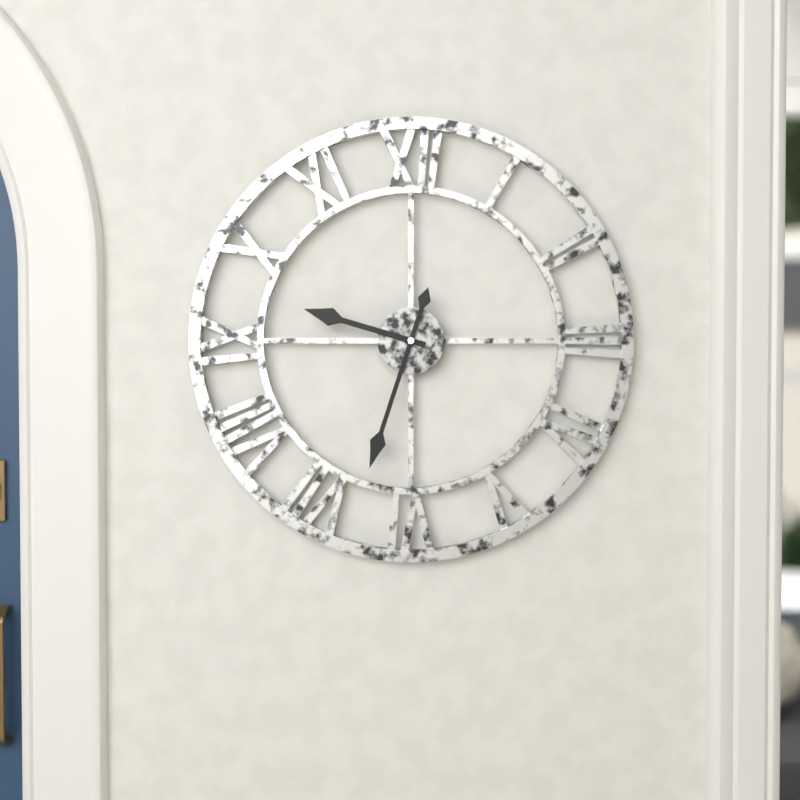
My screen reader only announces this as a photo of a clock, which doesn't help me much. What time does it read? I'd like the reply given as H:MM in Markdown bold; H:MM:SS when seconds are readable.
**9:33**
